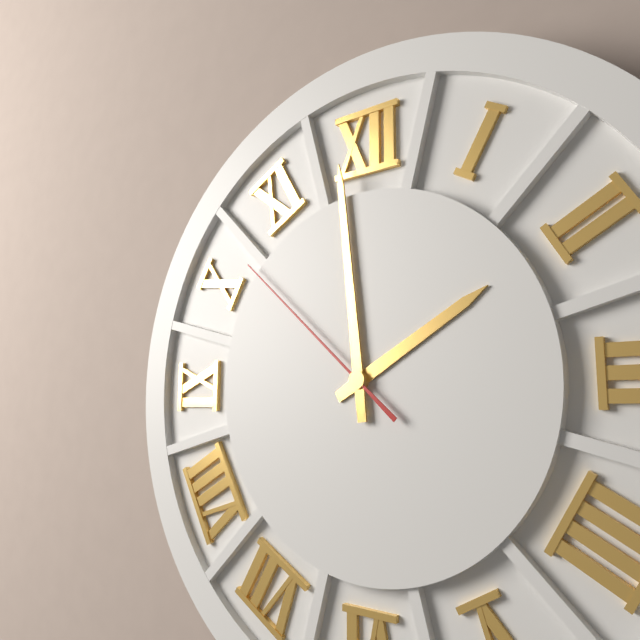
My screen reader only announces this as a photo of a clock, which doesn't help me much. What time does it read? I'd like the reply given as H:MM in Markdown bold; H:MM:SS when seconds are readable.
**1:59:52**
